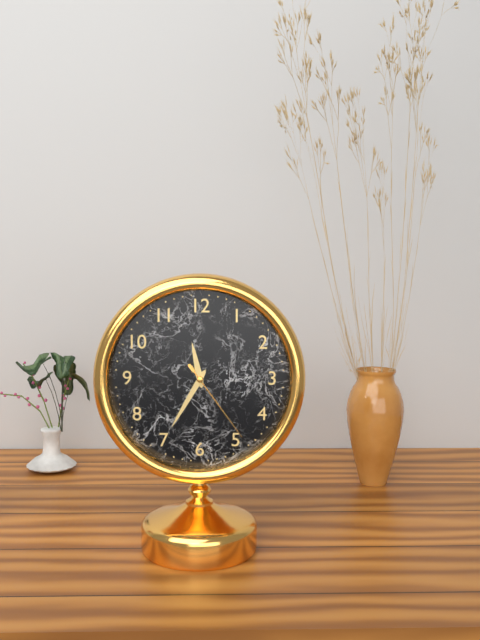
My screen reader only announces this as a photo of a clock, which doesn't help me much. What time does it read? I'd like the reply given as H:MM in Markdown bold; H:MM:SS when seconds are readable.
**11:35:24**
